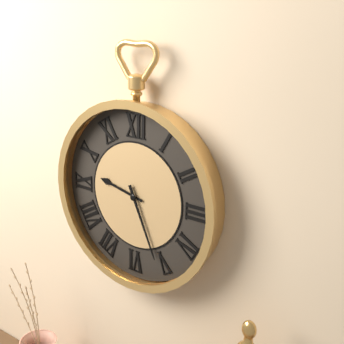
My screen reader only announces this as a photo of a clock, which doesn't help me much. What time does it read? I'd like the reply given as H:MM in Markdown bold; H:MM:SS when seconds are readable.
**9:26**
